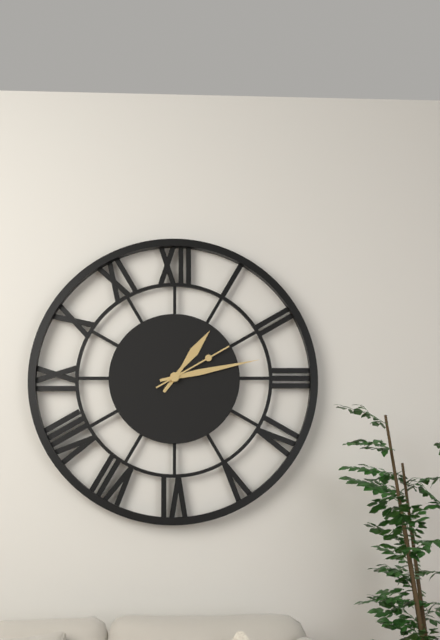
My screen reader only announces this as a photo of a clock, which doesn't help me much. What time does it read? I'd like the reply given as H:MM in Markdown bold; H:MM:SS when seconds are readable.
**1:13:10**
